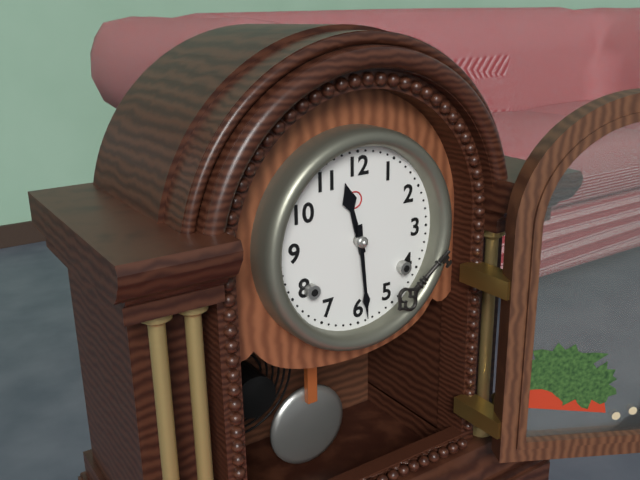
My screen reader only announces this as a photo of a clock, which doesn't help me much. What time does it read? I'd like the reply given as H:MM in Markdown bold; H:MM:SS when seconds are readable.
**11:29**
